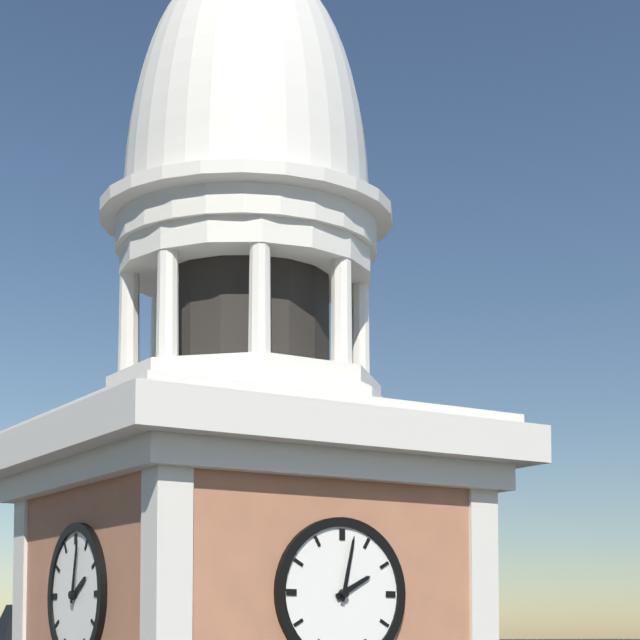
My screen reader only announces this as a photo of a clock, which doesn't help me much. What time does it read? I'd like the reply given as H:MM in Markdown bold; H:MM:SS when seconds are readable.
**2:02**
